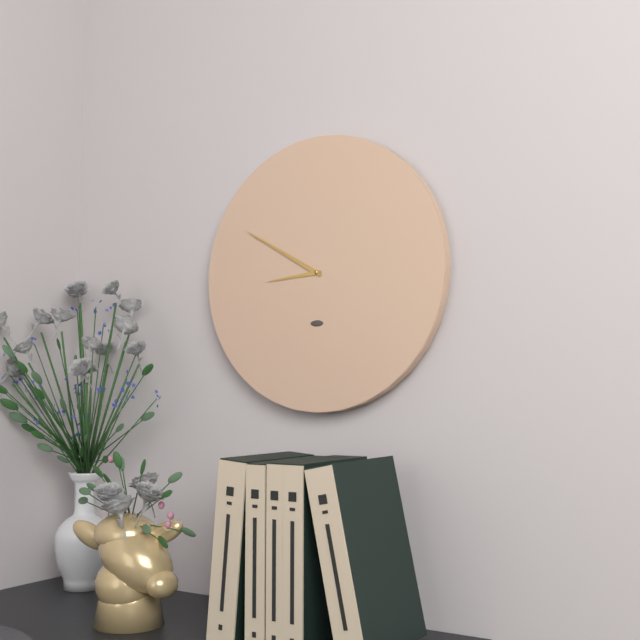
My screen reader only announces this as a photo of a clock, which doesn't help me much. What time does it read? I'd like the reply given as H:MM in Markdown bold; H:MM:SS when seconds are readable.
**8:50**
